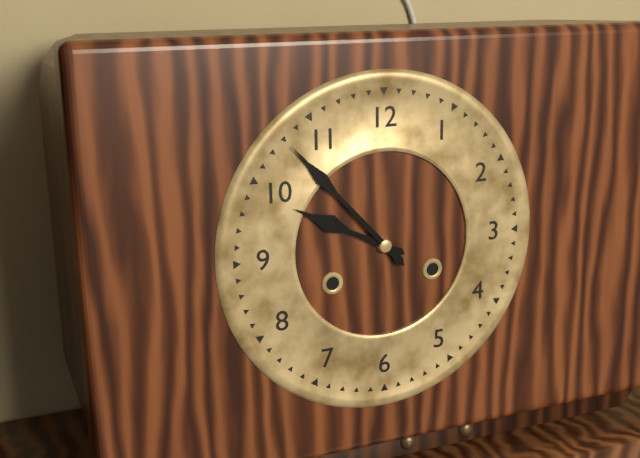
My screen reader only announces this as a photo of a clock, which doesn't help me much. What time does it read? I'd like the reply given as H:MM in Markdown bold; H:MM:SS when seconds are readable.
**9:53**
